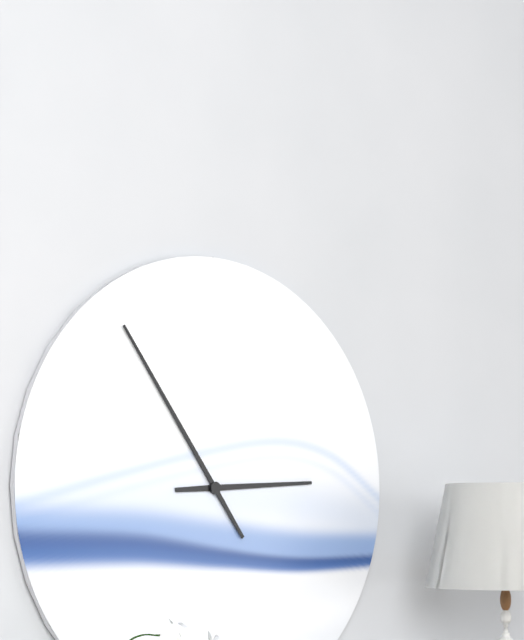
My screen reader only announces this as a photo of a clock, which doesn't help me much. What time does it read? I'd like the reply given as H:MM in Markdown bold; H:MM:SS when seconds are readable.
**2:54**
